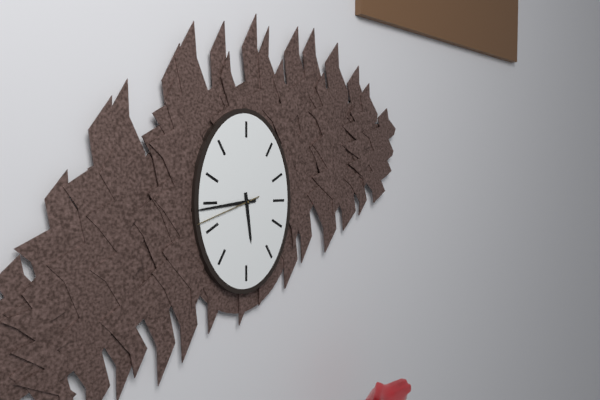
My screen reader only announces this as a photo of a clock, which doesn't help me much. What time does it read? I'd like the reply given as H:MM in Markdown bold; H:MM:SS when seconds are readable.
**5:44:42**
